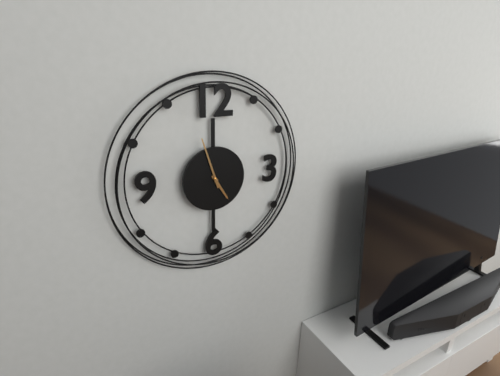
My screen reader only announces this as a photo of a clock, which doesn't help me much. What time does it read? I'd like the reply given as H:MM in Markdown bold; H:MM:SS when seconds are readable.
**4:57**
